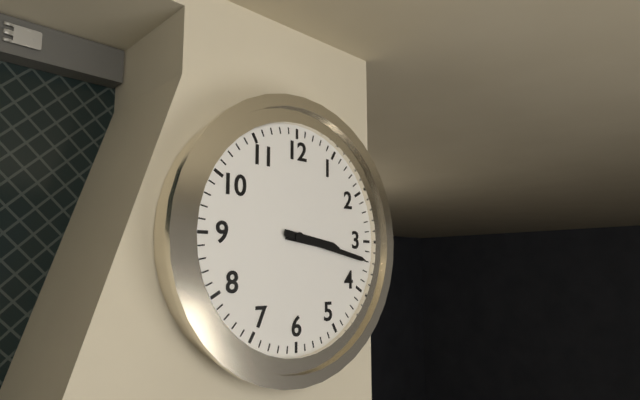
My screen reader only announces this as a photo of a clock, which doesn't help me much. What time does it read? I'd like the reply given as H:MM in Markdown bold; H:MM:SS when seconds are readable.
**3:17**
